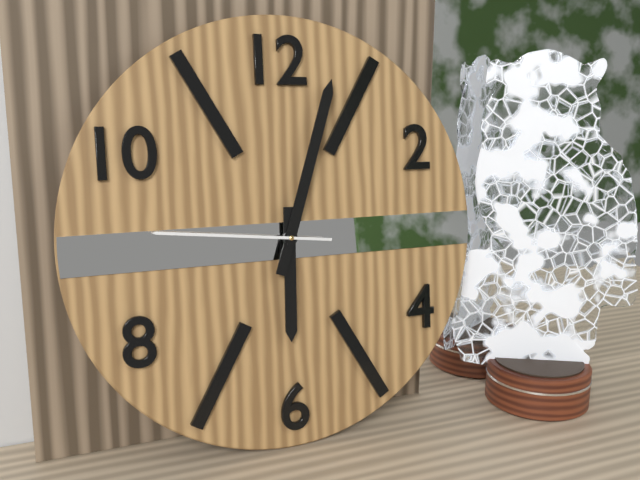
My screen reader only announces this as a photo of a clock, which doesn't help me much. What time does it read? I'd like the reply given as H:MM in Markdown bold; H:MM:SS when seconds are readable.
**6:03:46**
